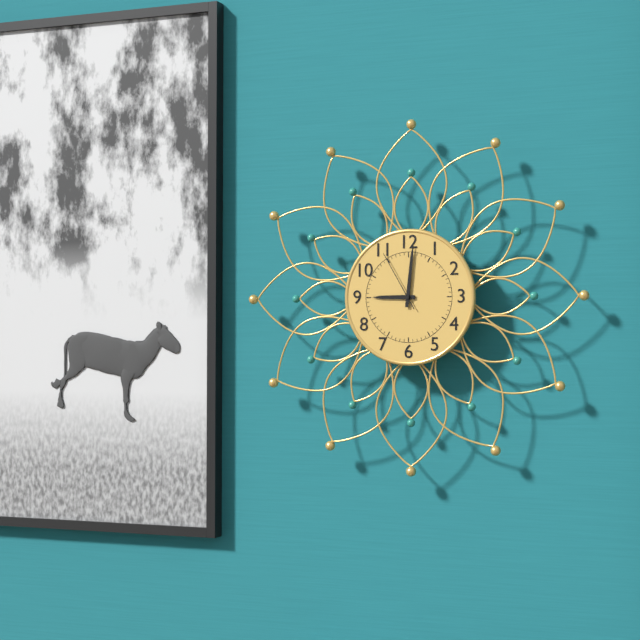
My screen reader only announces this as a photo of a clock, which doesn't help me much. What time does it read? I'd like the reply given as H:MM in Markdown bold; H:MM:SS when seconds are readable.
**9:01:55**
